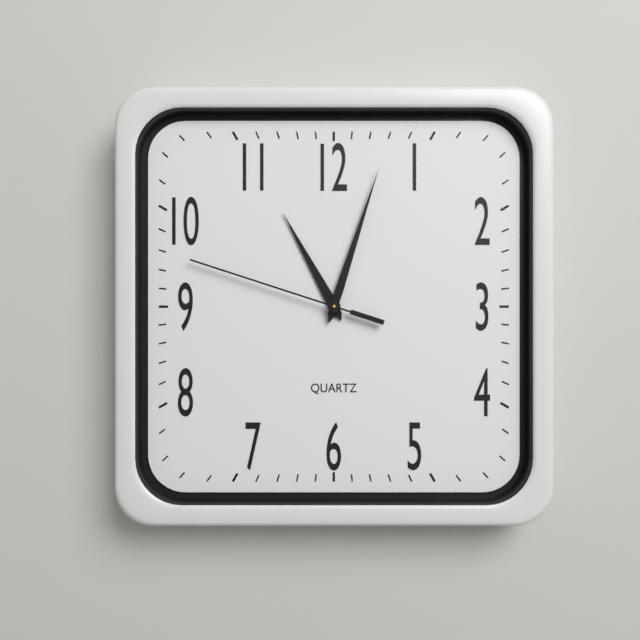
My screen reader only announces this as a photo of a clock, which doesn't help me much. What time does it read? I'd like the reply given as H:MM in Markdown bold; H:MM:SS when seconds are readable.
**11:03:48**
